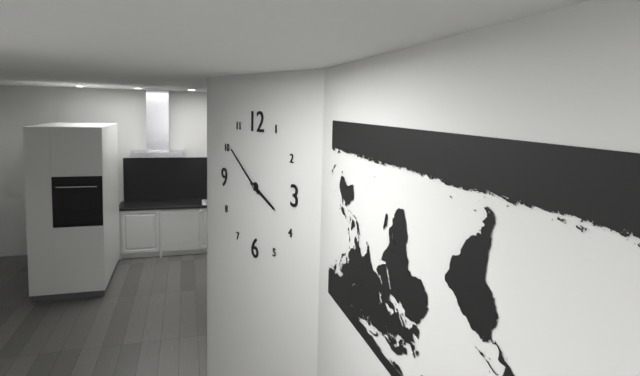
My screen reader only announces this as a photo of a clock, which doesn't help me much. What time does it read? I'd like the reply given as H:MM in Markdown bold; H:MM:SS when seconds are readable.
**3:51**
